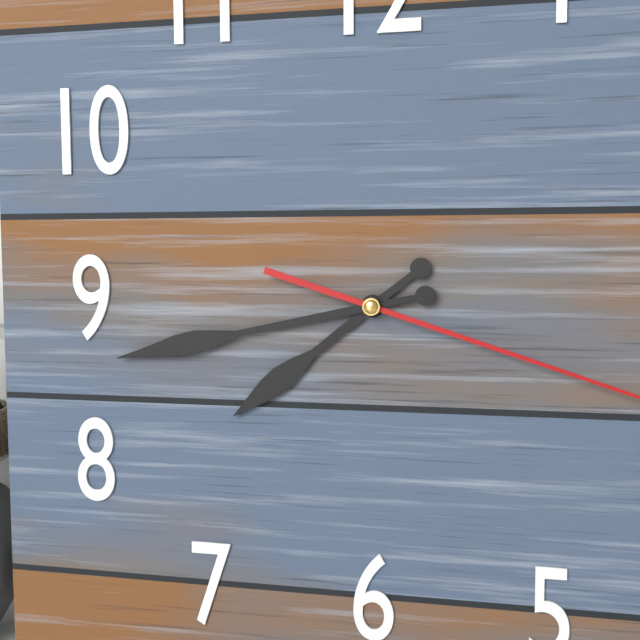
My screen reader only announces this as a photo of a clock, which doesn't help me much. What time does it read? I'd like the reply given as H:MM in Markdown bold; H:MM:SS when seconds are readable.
**7:43**
